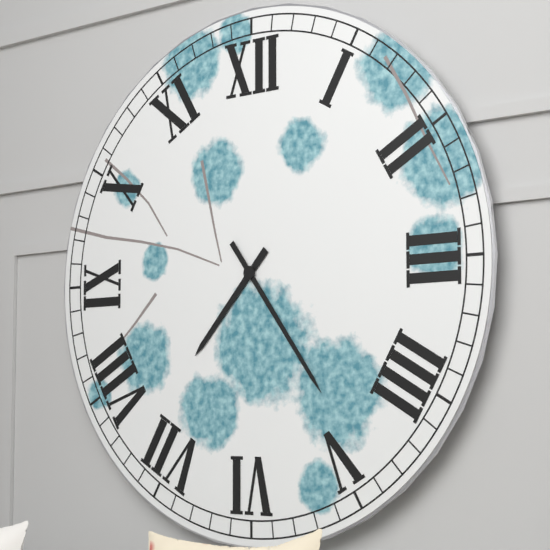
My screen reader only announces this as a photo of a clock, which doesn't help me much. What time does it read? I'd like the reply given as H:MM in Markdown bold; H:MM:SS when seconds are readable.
**7:24**
